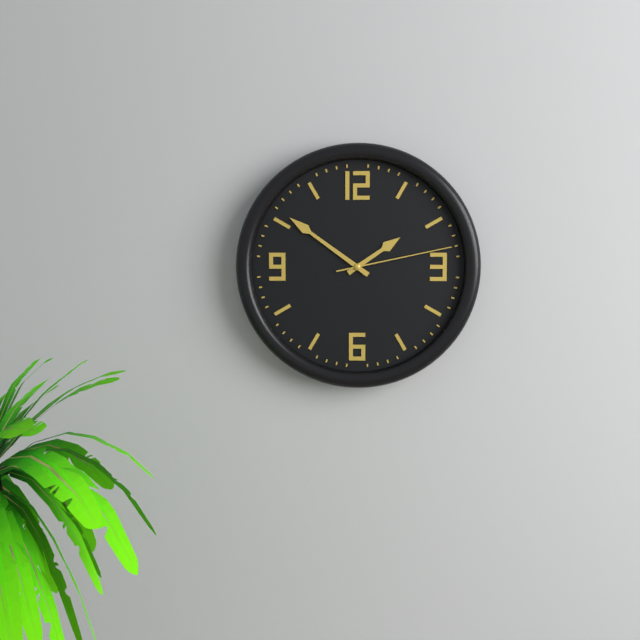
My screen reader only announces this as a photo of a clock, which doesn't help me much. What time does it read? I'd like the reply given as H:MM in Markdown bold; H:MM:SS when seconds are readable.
**1:51:13**
